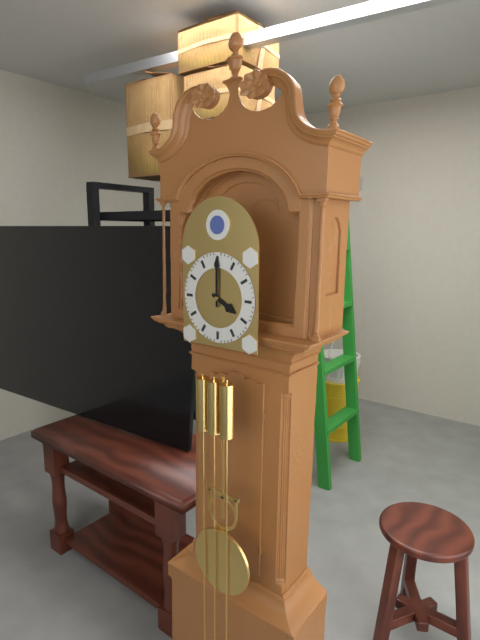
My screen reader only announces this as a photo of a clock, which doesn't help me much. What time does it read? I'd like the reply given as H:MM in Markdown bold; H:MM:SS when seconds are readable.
**4:00**
